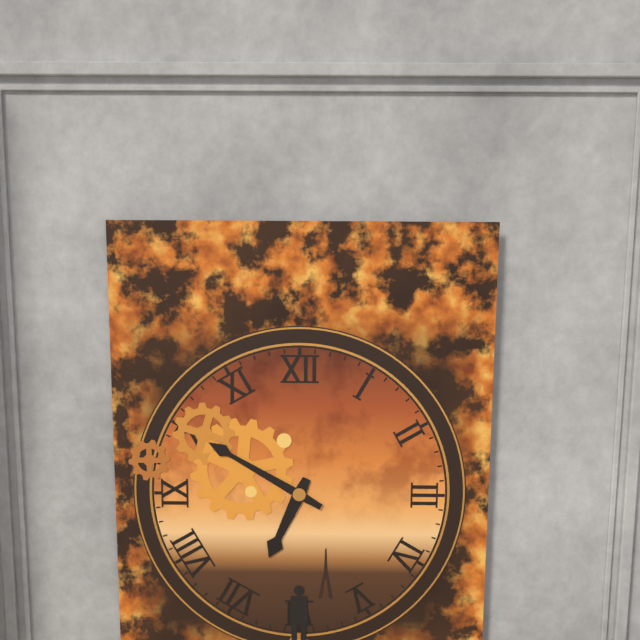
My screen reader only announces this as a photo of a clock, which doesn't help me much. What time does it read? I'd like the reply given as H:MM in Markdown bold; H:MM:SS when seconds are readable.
**6:50**
